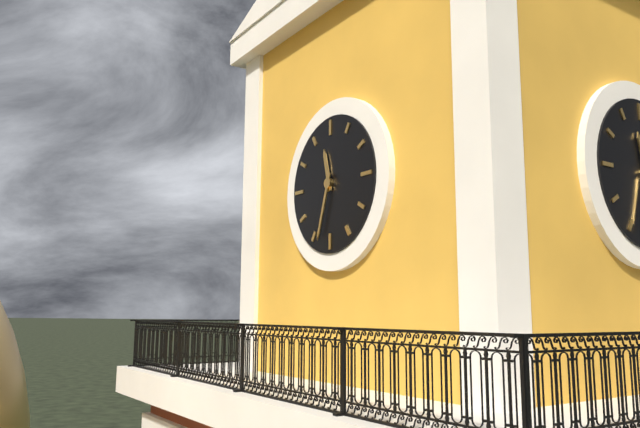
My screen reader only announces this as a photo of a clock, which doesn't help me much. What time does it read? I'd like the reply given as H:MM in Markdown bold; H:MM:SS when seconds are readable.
**11:33**
